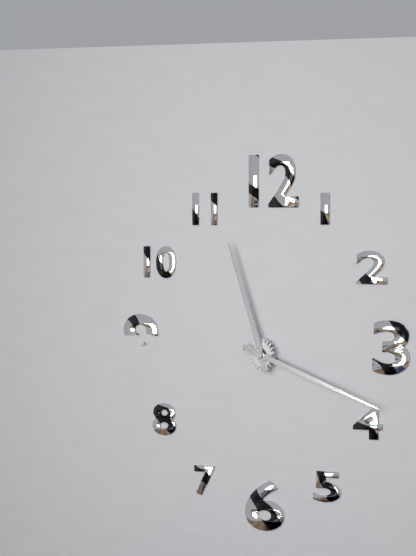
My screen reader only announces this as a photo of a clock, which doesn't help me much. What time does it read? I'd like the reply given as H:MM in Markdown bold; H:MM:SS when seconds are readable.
**11:18**
